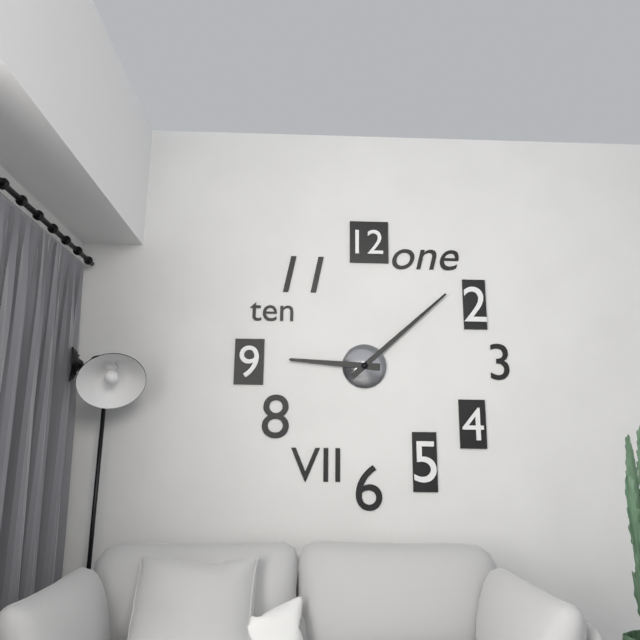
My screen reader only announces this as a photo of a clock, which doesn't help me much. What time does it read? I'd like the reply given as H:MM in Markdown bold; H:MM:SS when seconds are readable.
**9:08**
